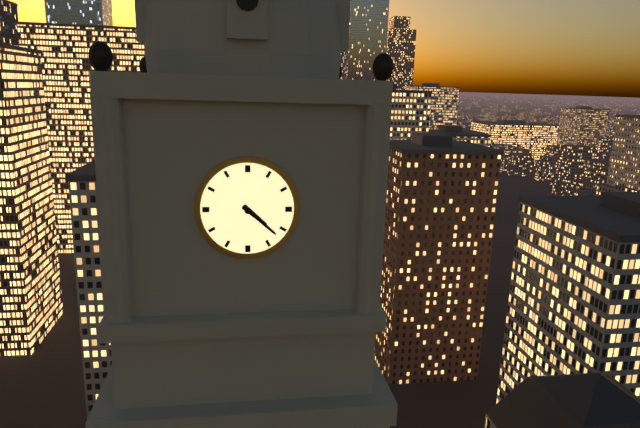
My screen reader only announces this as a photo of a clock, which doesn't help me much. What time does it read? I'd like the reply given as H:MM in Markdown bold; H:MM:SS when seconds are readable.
**4:22**
